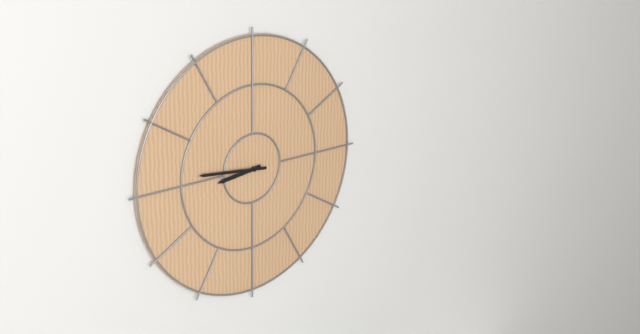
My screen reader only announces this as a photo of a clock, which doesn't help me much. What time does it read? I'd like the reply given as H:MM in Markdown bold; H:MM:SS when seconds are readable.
**8:46**
